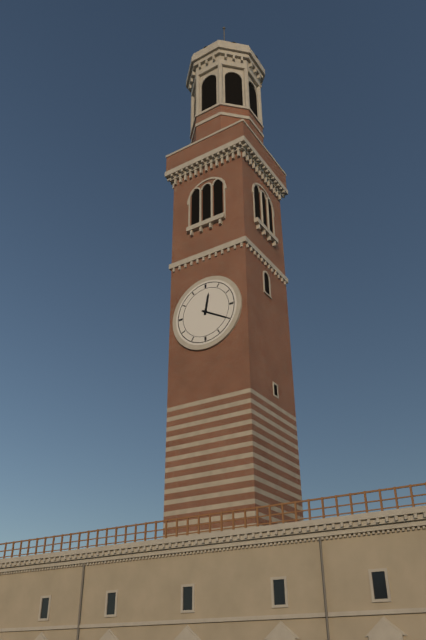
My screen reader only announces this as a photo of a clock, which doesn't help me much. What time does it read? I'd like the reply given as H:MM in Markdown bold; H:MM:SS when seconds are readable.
**12:20**
